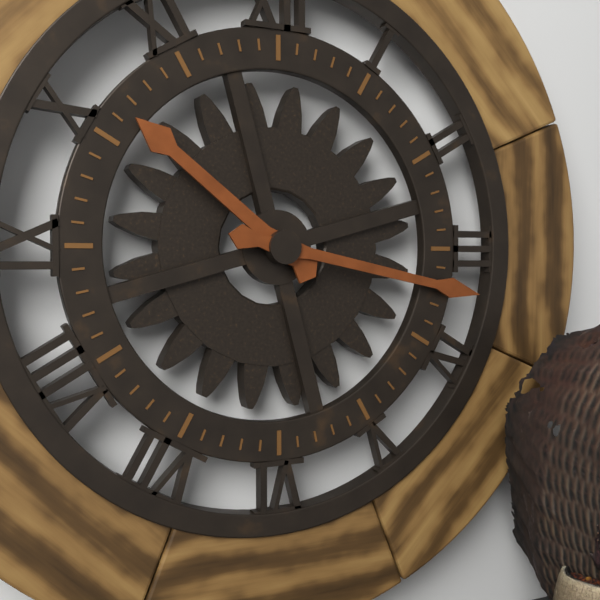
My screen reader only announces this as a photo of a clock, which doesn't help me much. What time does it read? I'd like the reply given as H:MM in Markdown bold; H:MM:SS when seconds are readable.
**10:17**
